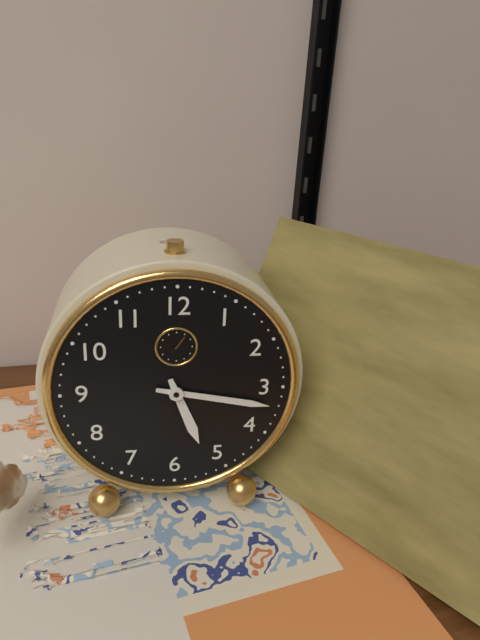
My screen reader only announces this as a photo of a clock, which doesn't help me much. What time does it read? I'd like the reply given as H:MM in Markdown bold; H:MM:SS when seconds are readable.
**5:17**
